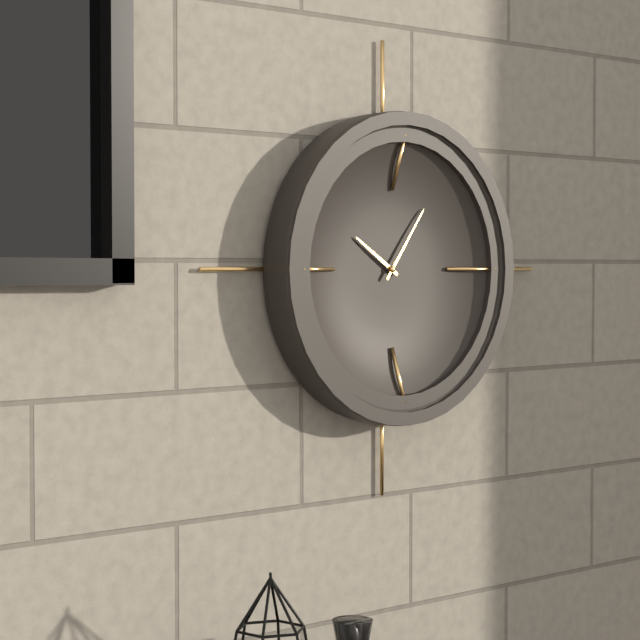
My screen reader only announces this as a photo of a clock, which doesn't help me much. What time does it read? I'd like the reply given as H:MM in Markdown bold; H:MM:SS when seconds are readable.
**10:06**
